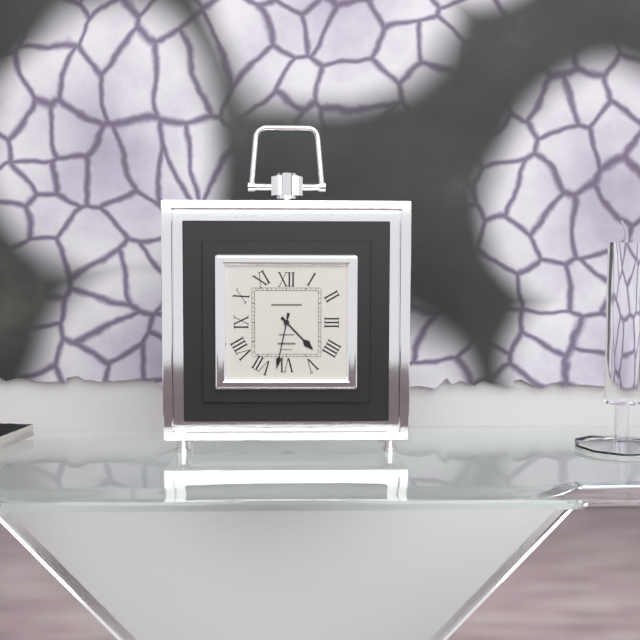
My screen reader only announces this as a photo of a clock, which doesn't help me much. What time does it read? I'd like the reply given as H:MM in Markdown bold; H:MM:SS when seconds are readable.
**4:32**
